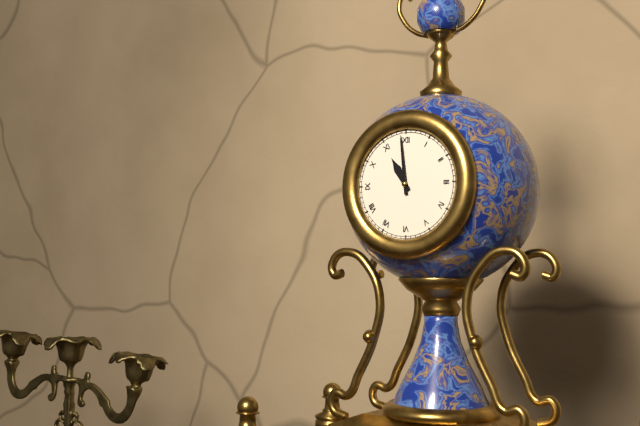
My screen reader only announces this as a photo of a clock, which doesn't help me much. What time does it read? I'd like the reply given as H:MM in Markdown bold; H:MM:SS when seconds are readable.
**10:59**
